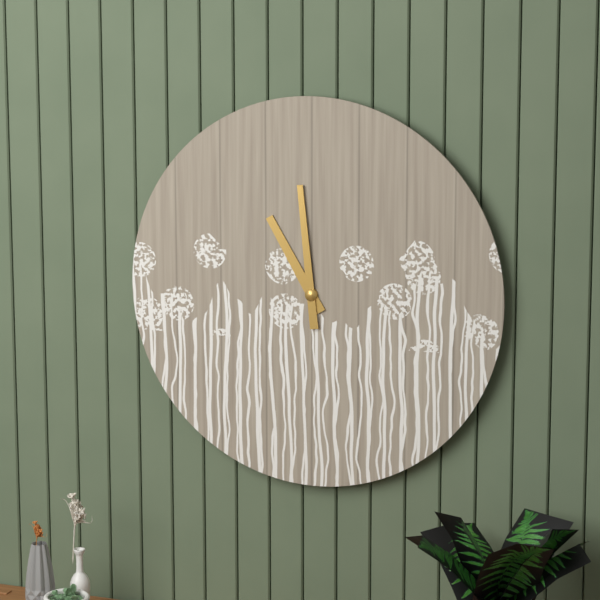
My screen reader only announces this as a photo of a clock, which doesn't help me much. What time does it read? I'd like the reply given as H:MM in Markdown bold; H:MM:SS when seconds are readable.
**10:59**
